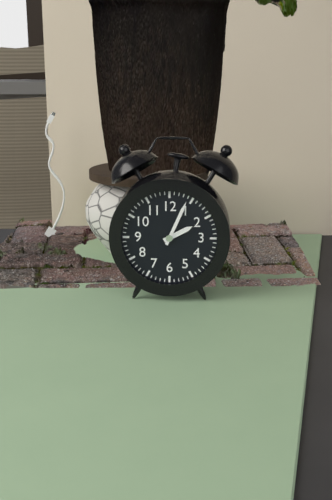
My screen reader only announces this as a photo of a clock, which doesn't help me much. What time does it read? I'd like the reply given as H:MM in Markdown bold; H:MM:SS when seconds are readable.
**2:04**
